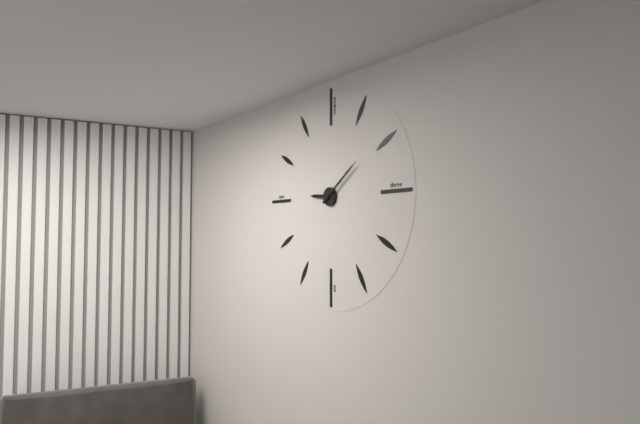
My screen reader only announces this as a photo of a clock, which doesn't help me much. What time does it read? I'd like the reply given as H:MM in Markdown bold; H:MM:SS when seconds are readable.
**9:09**
